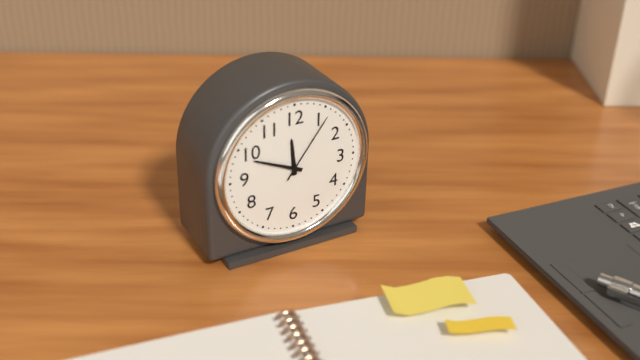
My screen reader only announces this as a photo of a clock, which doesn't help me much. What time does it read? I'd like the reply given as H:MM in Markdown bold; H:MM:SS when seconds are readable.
**11:49:06**
